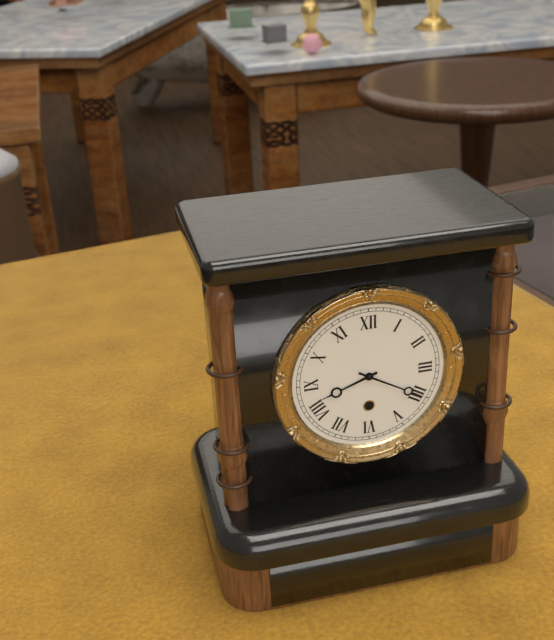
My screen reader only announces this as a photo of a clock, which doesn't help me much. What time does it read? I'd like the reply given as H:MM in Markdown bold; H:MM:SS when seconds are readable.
**8:20**
